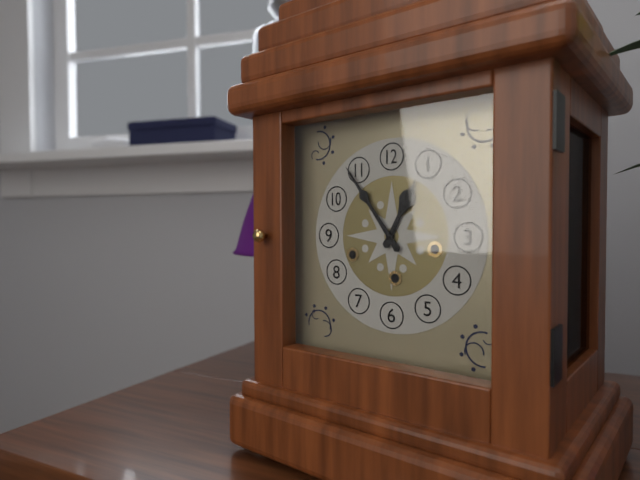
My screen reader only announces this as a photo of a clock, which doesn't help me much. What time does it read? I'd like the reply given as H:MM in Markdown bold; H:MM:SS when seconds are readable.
**12:54**
